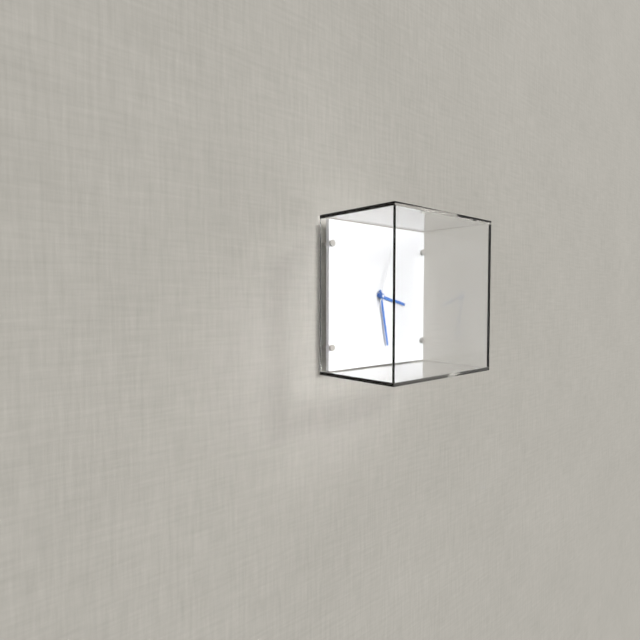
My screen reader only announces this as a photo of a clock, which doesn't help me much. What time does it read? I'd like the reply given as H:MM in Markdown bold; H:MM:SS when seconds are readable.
**3:28:03**
